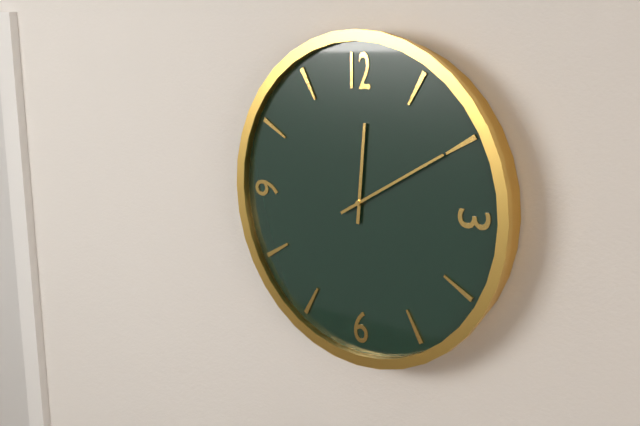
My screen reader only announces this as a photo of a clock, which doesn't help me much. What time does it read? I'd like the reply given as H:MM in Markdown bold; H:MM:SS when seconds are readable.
**12:10**
